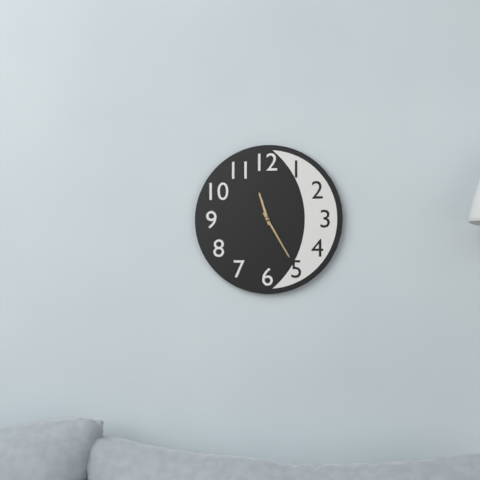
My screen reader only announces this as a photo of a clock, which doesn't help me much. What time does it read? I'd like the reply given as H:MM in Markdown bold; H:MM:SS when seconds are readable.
**11:25**
